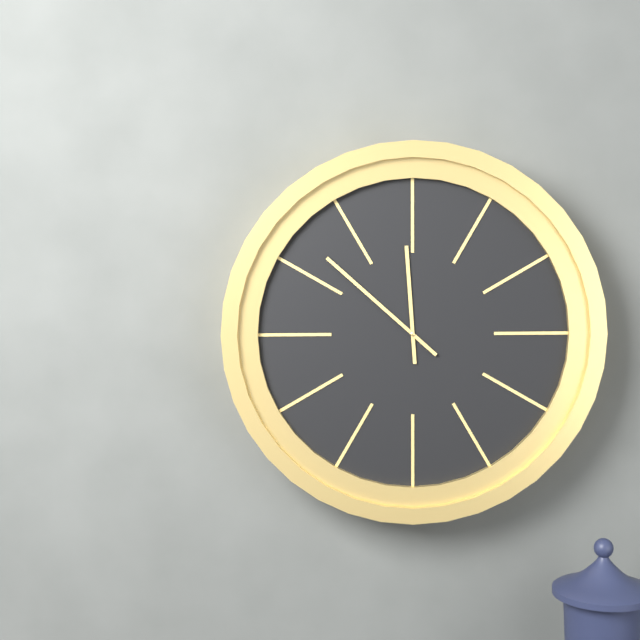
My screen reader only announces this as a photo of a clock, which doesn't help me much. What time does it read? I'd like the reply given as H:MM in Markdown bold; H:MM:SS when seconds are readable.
**11:52**
